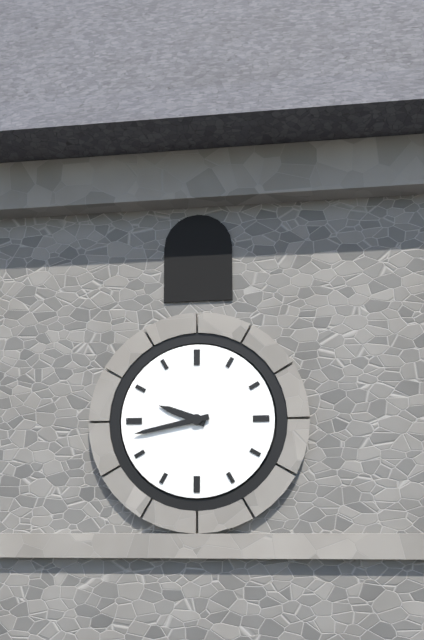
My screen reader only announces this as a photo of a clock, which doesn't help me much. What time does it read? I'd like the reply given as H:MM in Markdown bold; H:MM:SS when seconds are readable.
**9:43**
